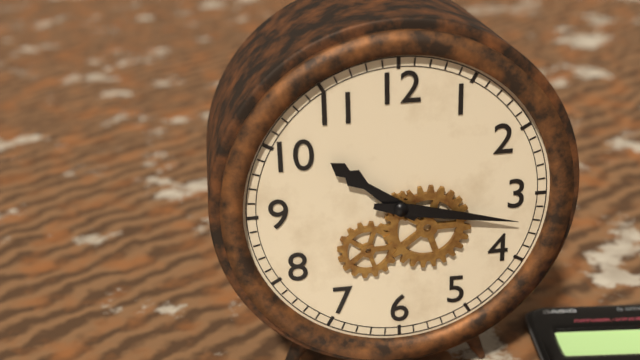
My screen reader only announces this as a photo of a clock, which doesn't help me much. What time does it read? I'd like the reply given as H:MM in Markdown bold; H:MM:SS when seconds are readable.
**10:17**
